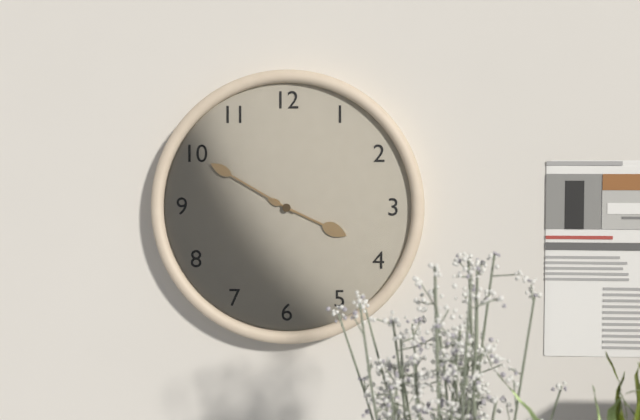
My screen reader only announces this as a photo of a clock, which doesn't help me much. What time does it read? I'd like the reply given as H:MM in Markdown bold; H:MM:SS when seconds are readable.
**3:50**
